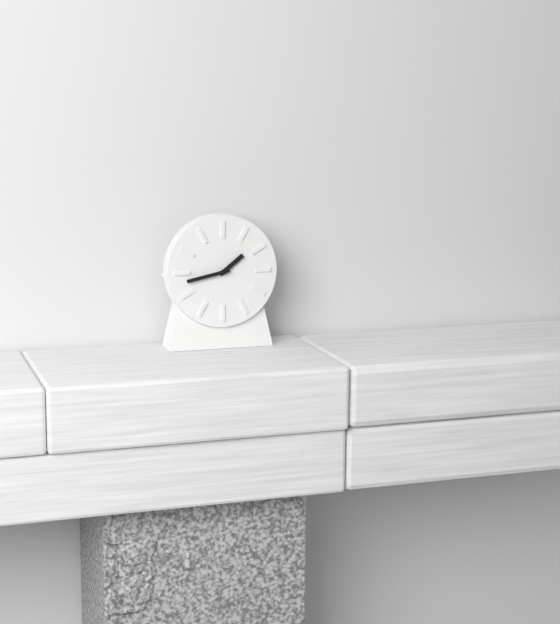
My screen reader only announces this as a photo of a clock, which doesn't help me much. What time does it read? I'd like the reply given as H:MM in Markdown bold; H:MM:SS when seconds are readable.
**1:43**
